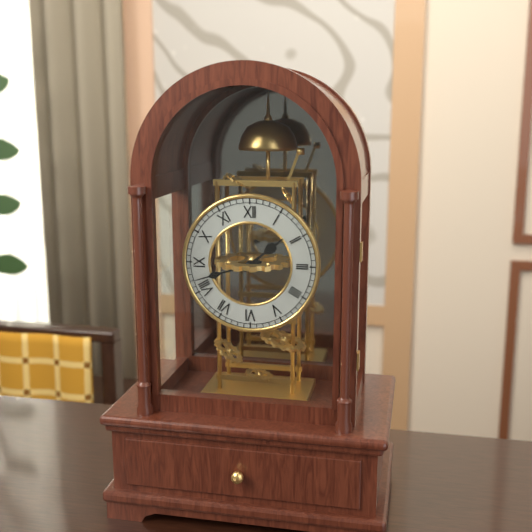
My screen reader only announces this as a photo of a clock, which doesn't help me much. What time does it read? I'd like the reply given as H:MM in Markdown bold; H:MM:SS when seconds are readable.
**1:42**
